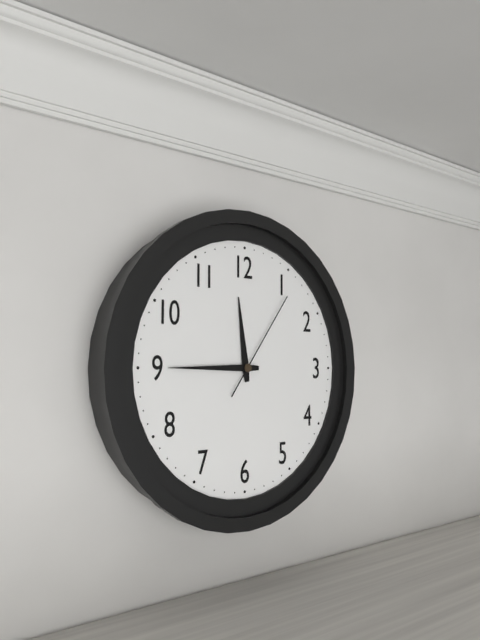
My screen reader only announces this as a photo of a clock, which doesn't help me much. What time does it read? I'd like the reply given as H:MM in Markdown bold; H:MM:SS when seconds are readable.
**11:45:06**
